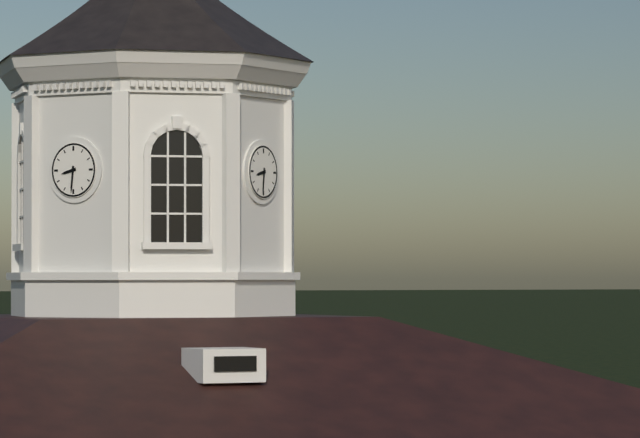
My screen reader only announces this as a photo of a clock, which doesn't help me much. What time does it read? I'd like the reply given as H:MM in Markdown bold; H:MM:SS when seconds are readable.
**8:31**
